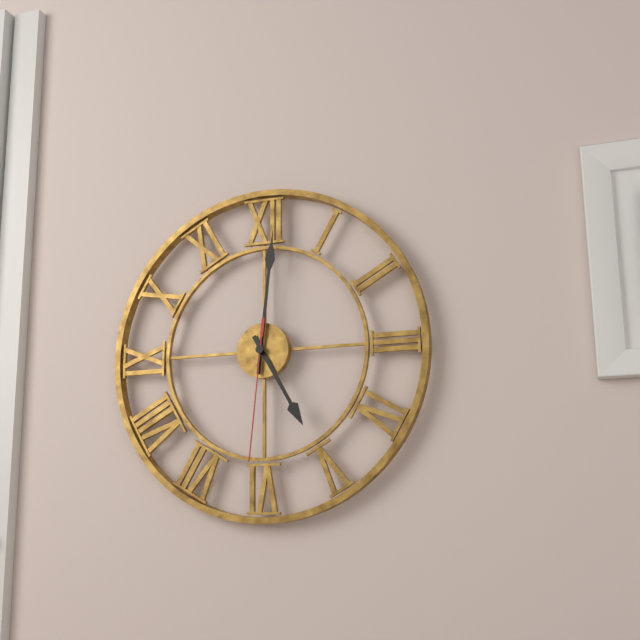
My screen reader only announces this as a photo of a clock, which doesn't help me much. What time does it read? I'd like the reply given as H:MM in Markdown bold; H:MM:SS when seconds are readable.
**5:01:31**
